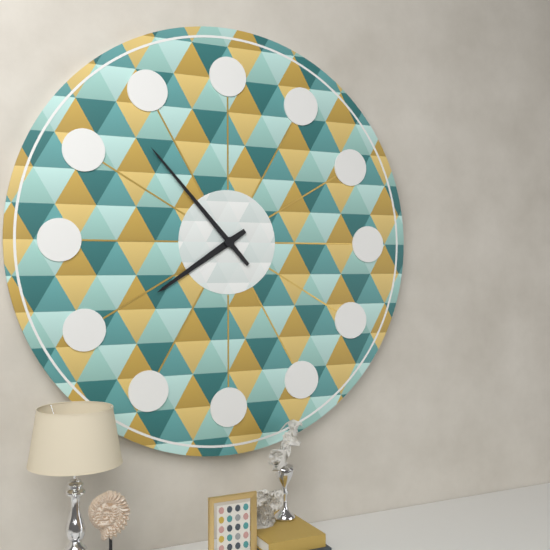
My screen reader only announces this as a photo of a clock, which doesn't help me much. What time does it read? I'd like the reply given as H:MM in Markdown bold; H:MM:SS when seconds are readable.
**7:53**
